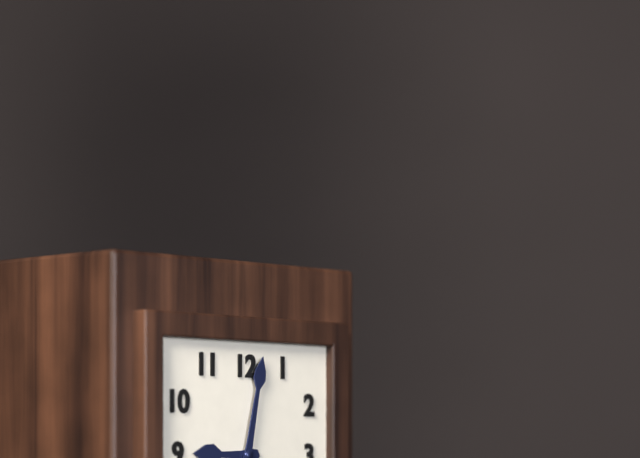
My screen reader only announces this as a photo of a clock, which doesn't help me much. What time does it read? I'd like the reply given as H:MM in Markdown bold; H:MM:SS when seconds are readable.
**9:02**
